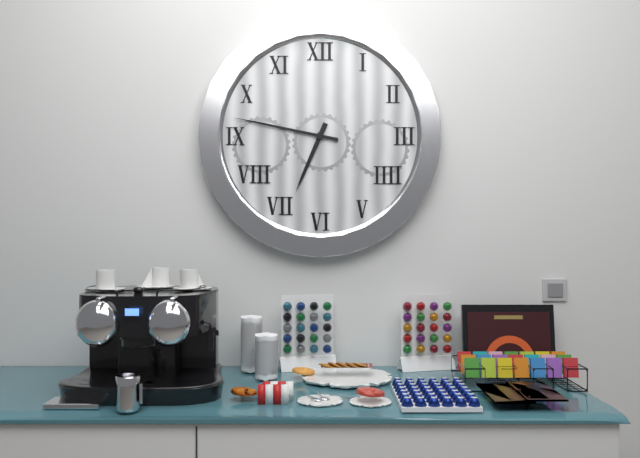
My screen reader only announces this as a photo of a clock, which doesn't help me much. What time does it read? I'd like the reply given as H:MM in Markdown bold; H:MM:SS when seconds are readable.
**6:47**
